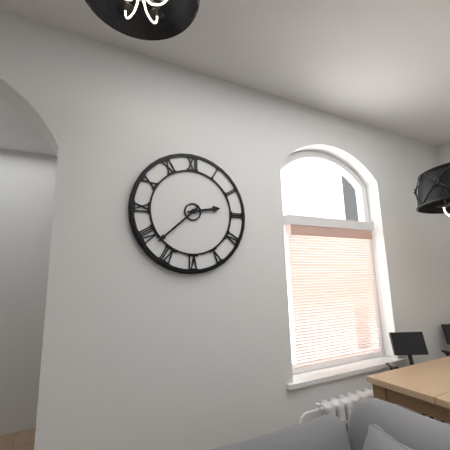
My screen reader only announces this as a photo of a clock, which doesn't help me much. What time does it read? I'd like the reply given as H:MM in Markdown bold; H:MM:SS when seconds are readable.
**2:38**
